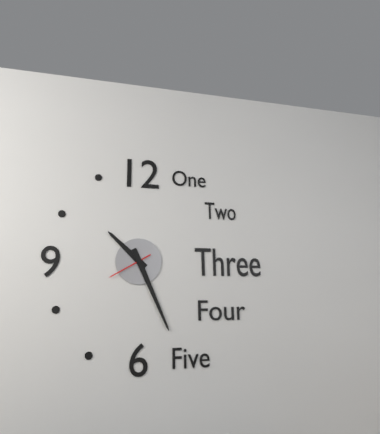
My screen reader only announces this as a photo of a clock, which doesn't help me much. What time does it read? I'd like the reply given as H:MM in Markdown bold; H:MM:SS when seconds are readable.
**10:26**
